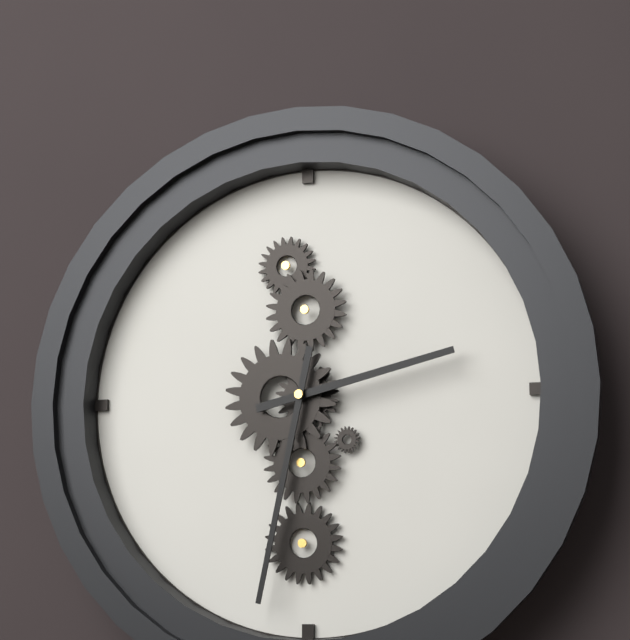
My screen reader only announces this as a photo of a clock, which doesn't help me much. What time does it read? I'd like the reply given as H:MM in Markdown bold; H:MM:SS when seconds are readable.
**2:32**
